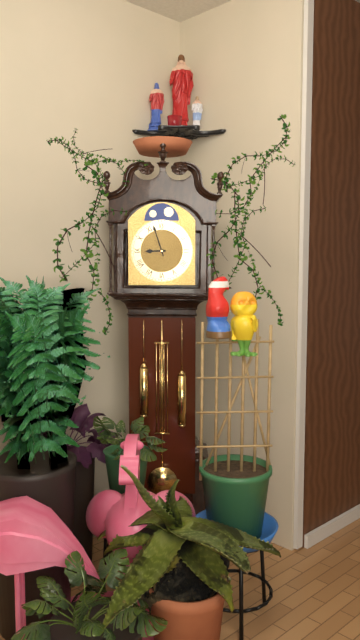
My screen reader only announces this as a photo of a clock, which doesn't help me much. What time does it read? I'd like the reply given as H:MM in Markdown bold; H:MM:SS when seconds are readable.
**8:57**
